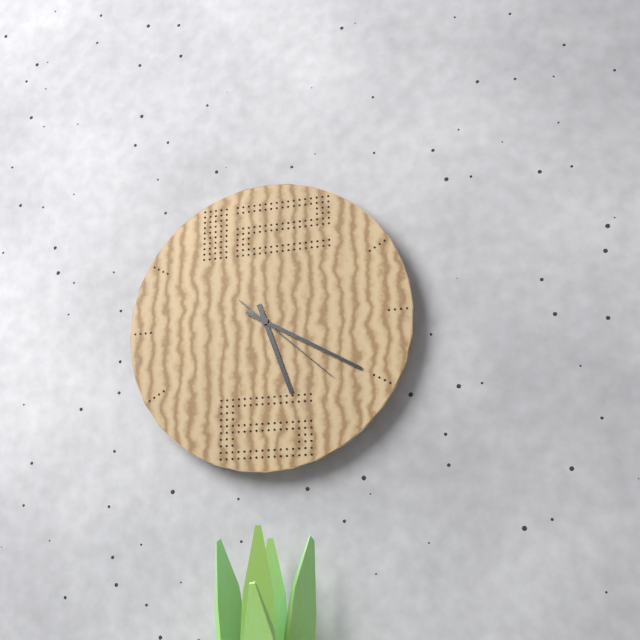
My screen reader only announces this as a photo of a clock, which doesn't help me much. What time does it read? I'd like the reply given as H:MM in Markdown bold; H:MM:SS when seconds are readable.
**5:20:22**
